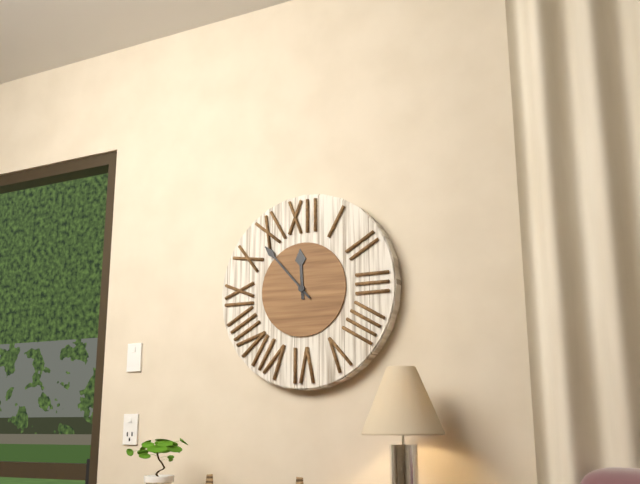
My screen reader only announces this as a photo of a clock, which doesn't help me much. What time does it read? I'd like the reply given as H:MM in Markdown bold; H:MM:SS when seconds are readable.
**11:53**
